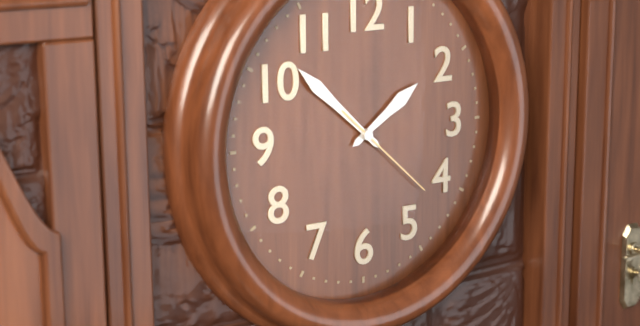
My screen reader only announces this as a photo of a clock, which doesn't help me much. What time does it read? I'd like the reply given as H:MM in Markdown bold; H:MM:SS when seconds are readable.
**1:52:22**
